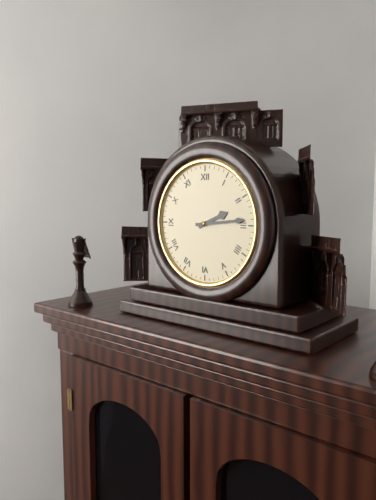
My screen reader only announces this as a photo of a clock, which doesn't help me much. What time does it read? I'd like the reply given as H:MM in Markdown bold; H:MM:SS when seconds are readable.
**2:14**
